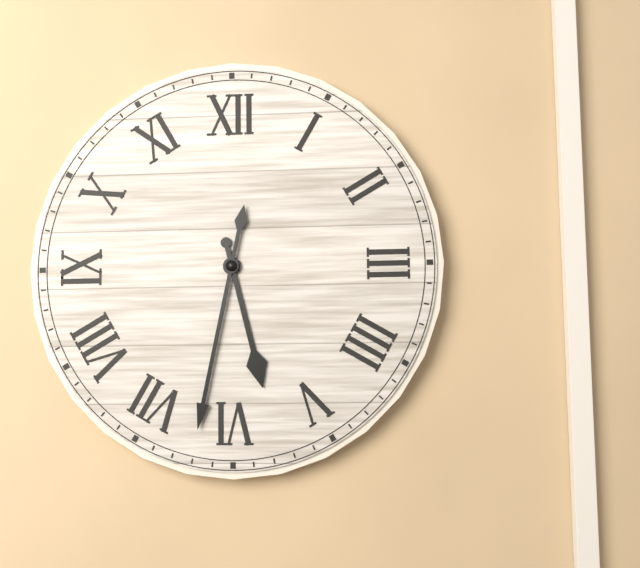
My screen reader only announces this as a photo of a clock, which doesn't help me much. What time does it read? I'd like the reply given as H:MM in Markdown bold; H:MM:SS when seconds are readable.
**5:32**
